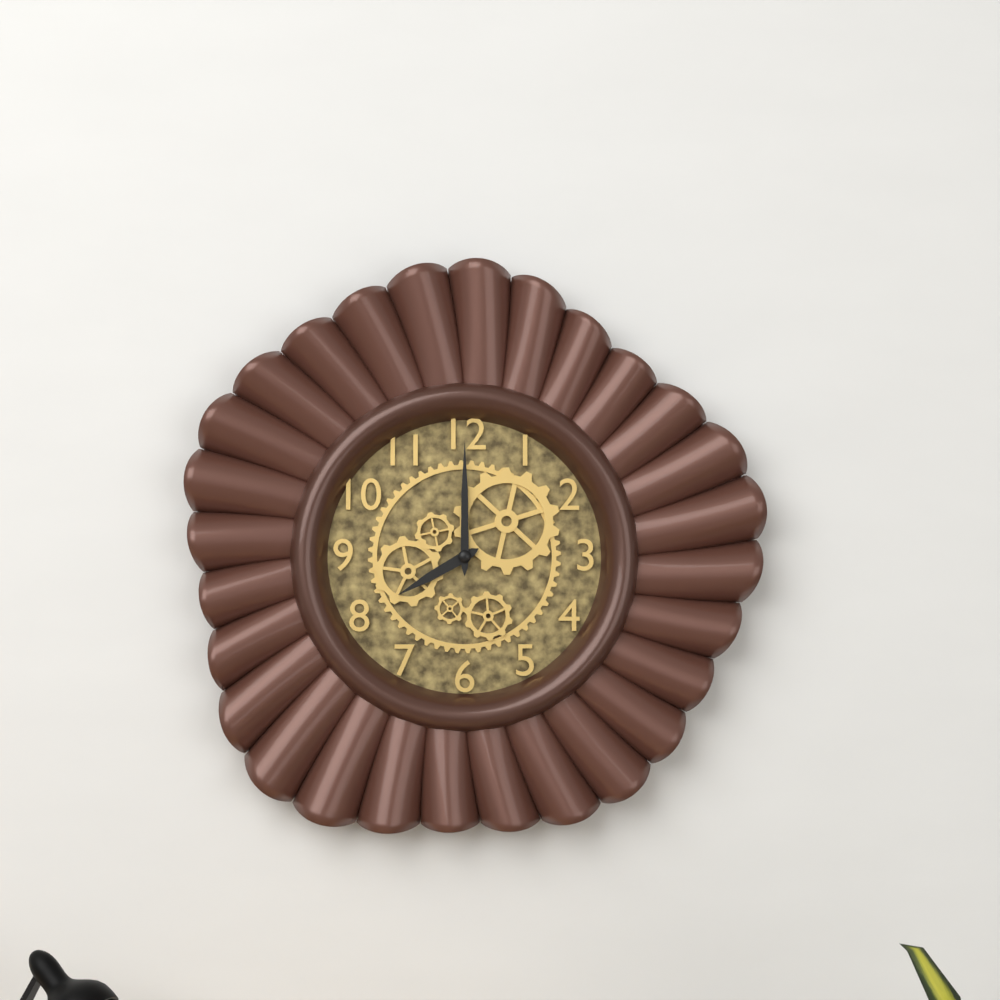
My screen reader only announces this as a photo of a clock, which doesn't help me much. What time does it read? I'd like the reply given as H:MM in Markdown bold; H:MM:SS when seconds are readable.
**8:00**
